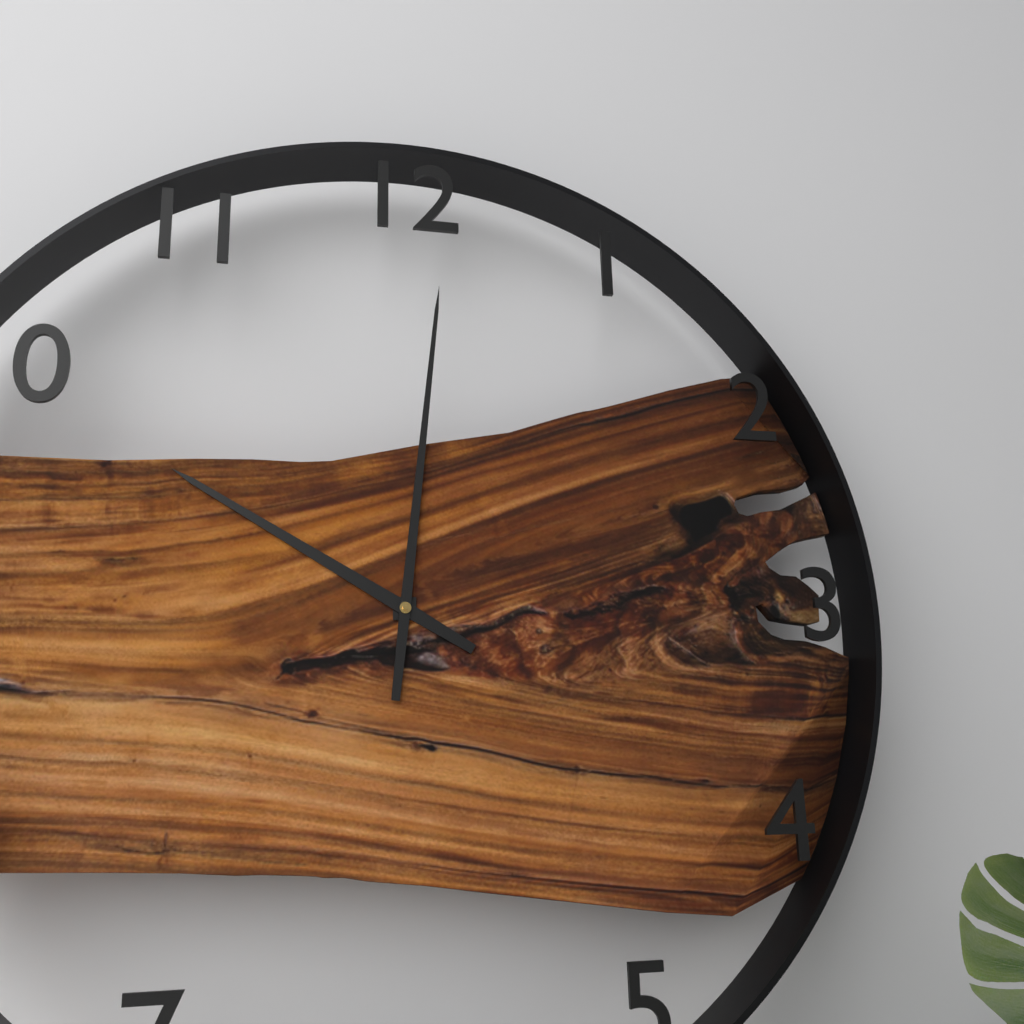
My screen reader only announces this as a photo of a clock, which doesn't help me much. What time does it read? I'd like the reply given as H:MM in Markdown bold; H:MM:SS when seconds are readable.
**10:01**
